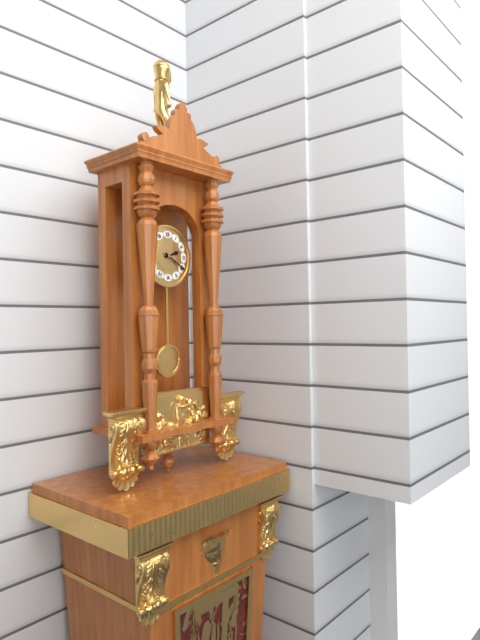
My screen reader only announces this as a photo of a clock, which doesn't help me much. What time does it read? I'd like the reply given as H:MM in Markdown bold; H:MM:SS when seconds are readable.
**2:20**
